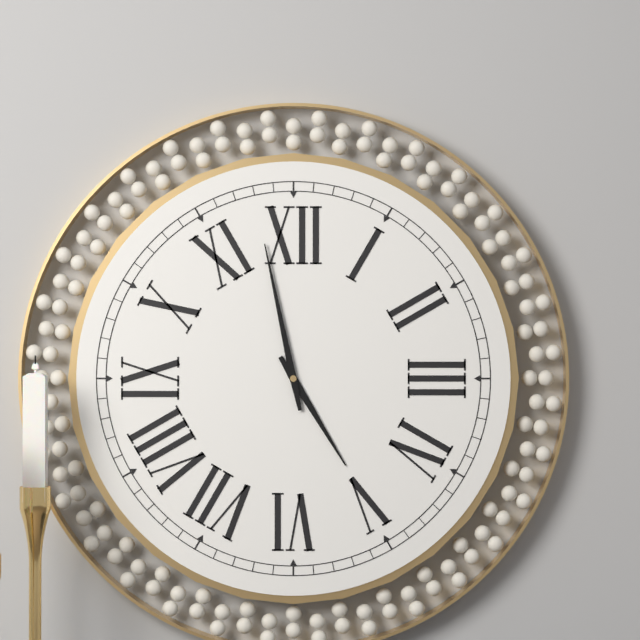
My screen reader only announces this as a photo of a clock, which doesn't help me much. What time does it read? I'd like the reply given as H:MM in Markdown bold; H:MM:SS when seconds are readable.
**4:58**
